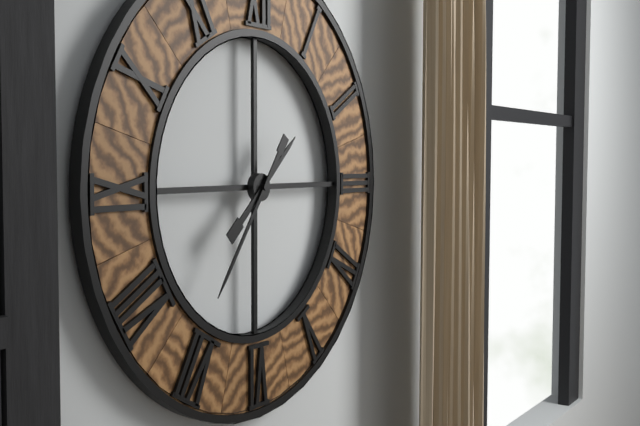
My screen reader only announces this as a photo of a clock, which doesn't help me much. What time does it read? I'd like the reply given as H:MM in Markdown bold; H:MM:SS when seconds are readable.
**1:36**
